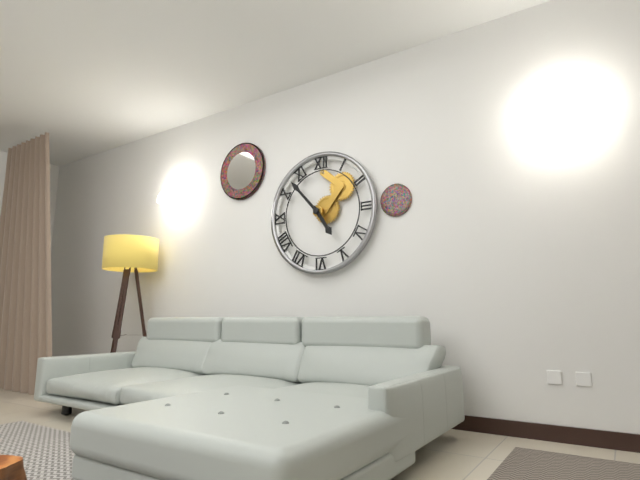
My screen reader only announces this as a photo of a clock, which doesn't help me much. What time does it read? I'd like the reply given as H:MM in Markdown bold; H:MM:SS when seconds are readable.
**4:53**
